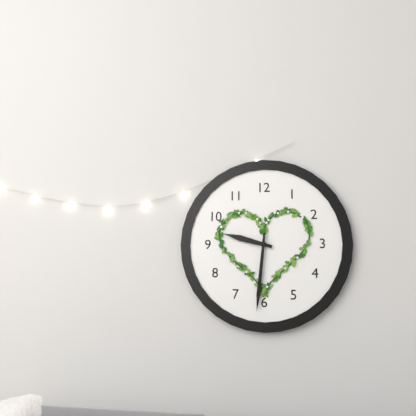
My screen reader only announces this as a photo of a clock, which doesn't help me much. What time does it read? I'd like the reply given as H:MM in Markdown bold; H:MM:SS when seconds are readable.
**9:31**
